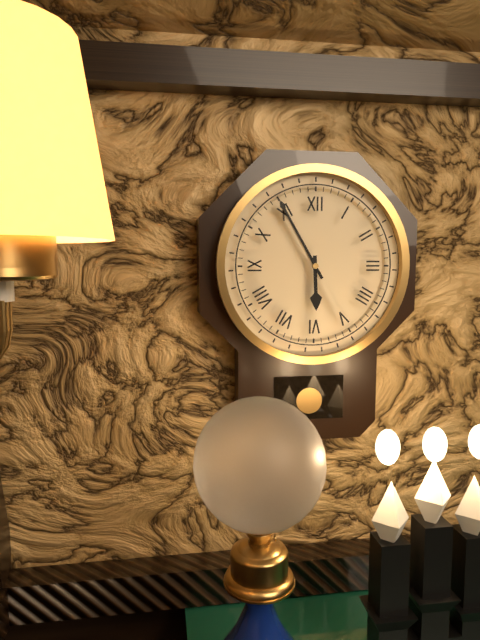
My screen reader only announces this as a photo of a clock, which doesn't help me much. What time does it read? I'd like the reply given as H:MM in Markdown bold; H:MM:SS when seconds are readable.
**5:55**
